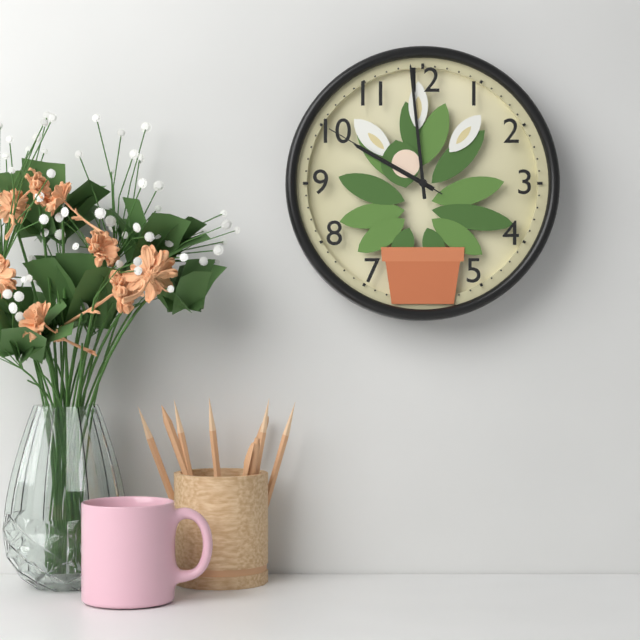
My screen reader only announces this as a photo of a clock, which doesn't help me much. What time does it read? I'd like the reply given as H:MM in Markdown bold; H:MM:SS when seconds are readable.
**9:59:50**
